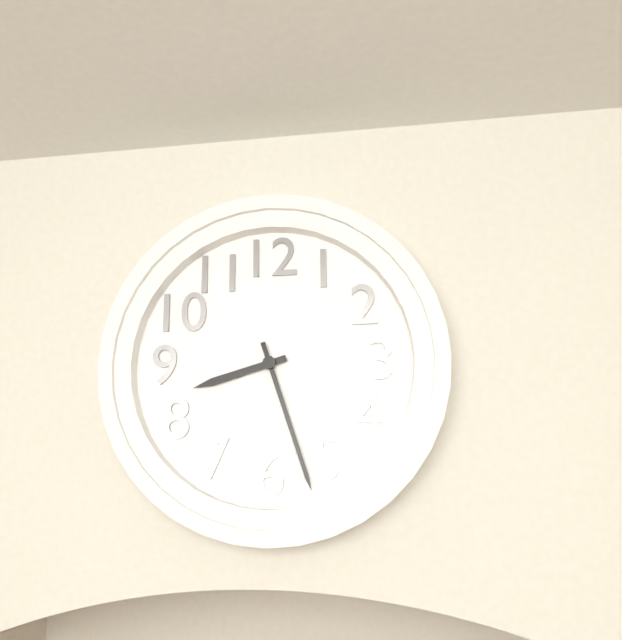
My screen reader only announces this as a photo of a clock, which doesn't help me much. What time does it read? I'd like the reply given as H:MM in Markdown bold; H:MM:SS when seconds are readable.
**8:27**
